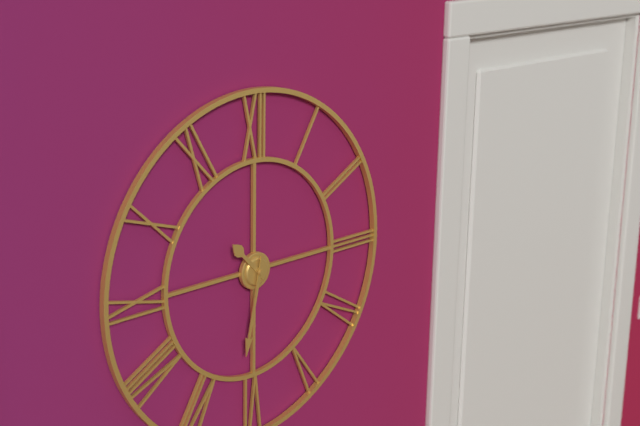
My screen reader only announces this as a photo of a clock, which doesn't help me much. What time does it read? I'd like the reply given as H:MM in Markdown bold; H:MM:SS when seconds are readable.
**10:32**
